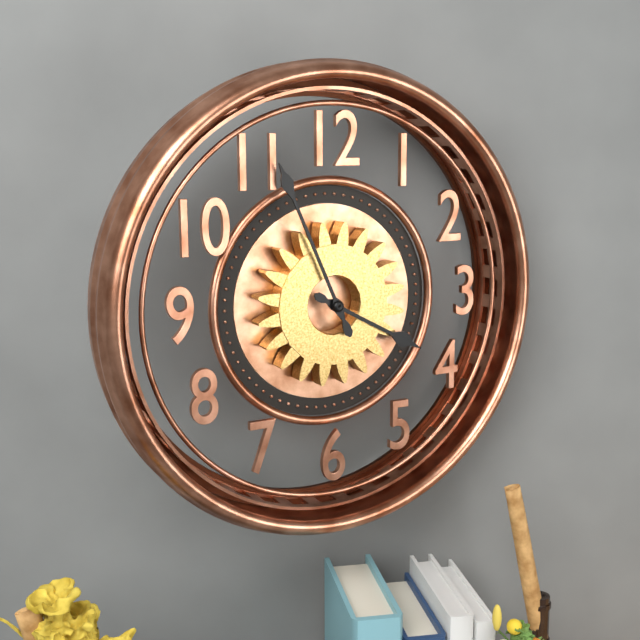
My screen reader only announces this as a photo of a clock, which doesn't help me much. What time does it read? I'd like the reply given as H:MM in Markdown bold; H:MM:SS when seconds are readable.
**3:56**
